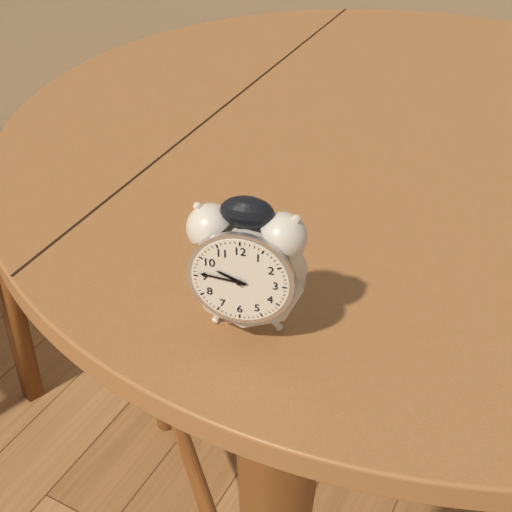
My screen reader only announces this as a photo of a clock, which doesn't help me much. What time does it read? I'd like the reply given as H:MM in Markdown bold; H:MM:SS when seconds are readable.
**9:46**
